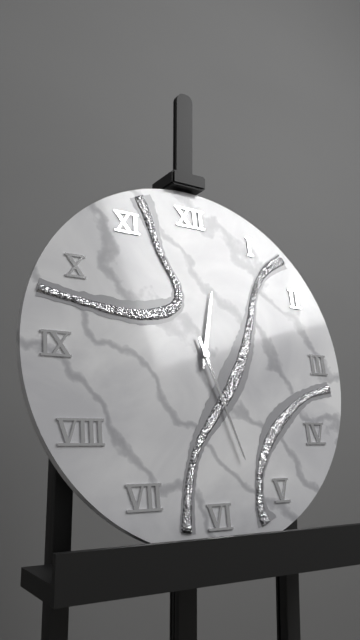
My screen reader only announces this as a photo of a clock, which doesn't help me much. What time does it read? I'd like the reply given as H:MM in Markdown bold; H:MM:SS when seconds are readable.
**12:27**
